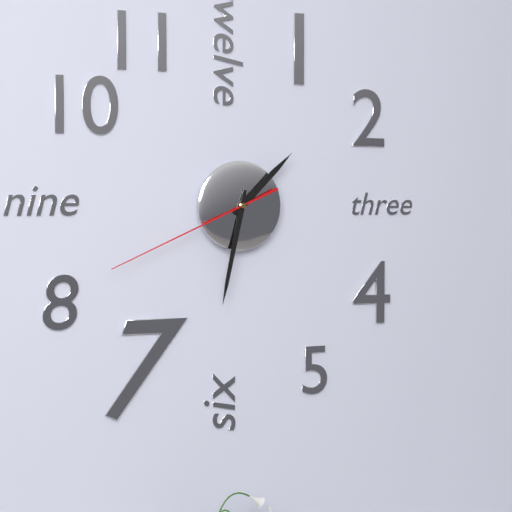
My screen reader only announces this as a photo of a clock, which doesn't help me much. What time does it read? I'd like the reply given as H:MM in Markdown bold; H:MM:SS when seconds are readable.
**1:32:41**
